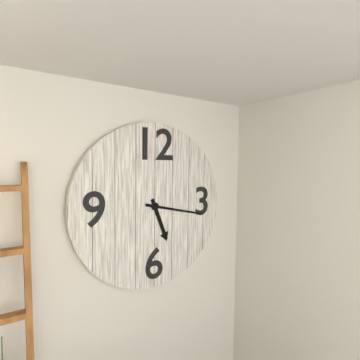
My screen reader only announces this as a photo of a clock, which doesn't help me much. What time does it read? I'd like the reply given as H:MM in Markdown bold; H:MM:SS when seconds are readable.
**5:17**
